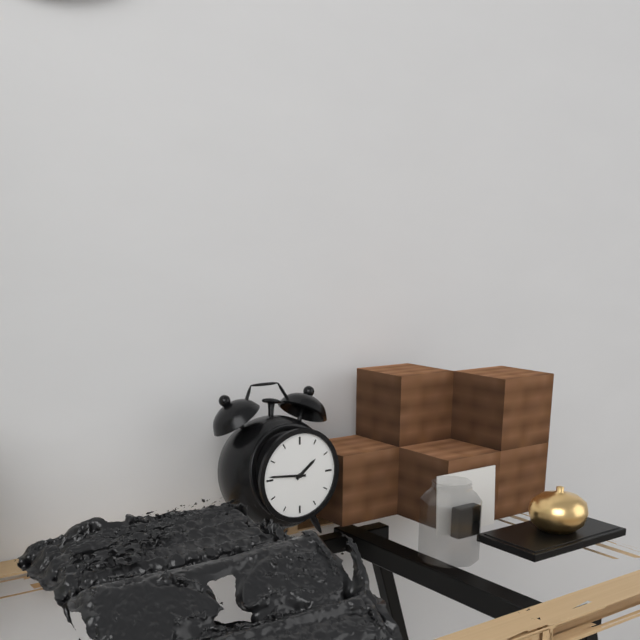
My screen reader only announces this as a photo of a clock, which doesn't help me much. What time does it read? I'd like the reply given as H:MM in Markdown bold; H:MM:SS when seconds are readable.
**1:46**
